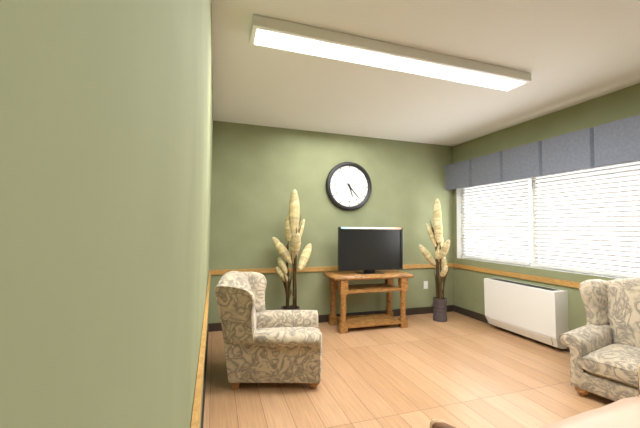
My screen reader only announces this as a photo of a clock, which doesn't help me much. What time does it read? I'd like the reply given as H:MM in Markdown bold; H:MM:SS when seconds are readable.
**5:23**
